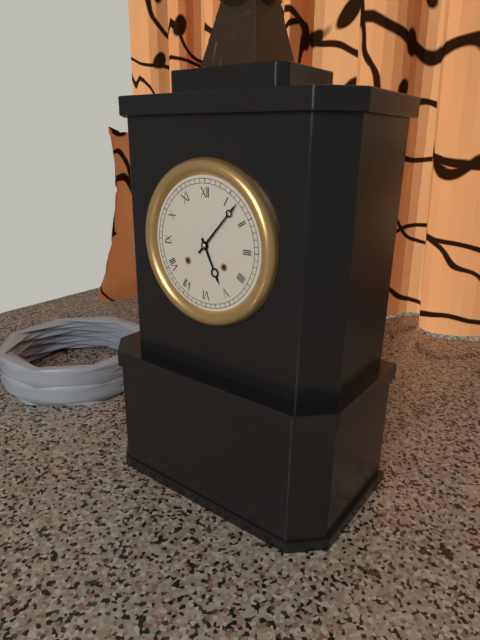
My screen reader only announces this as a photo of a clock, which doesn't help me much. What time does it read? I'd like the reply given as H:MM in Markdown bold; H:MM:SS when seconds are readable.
**5:07**
